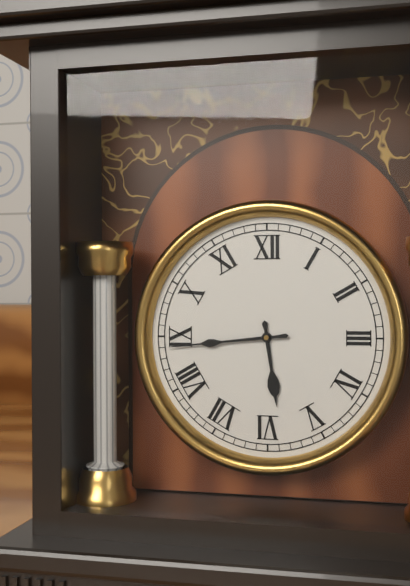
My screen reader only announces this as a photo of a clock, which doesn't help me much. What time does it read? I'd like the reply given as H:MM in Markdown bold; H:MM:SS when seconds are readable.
**5:44**
